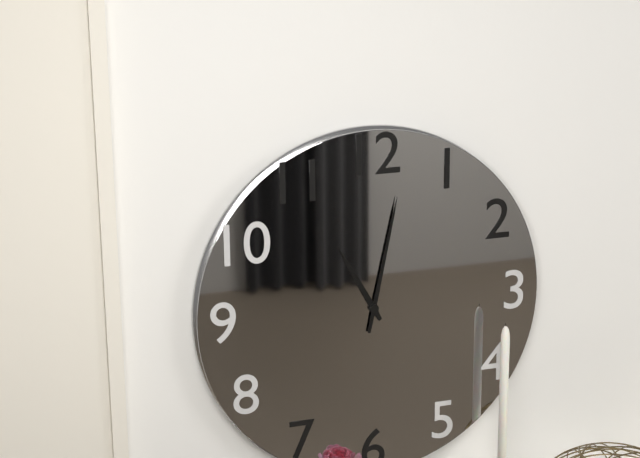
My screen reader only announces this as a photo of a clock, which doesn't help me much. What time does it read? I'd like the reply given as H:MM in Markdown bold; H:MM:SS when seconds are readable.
**11:02**
